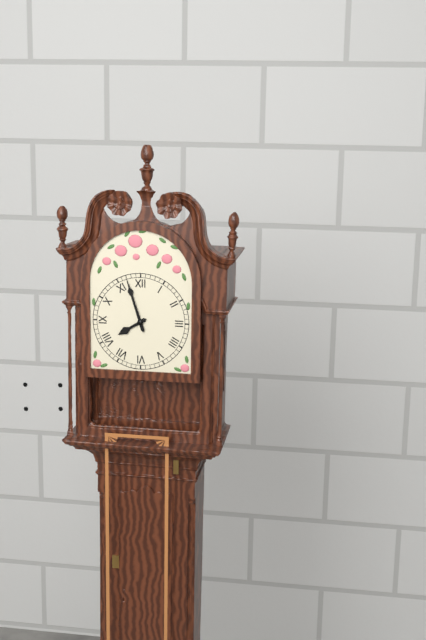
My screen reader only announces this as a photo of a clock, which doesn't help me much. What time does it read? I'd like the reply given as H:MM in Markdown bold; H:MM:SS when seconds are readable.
**7:57**
